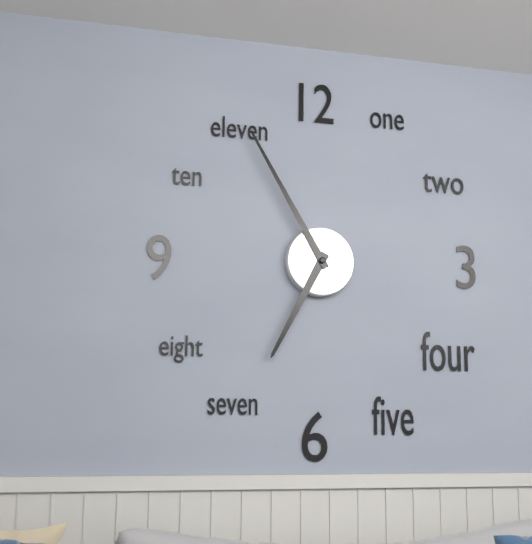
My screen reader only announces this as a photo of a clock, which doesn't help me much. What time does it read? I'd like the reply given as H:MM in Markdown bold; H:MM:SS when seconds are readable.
**6:55**
